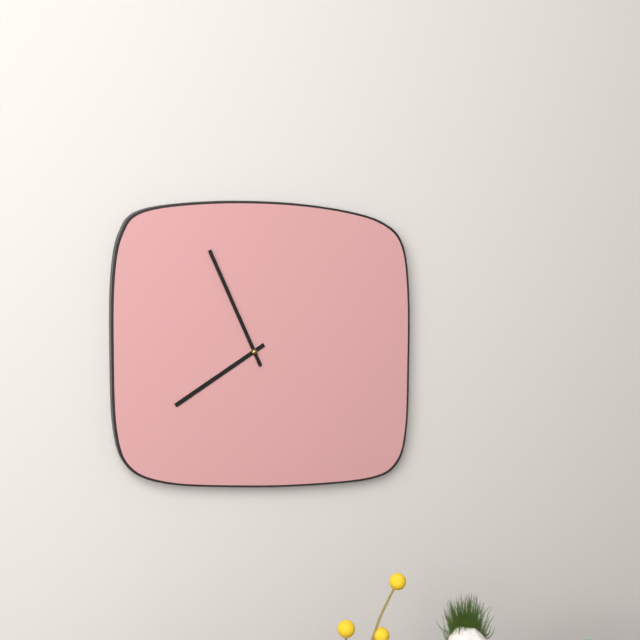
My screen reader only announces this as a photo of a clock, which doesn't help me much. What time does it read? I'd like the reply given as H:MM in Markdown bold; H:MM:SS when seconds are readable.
**7:56**
